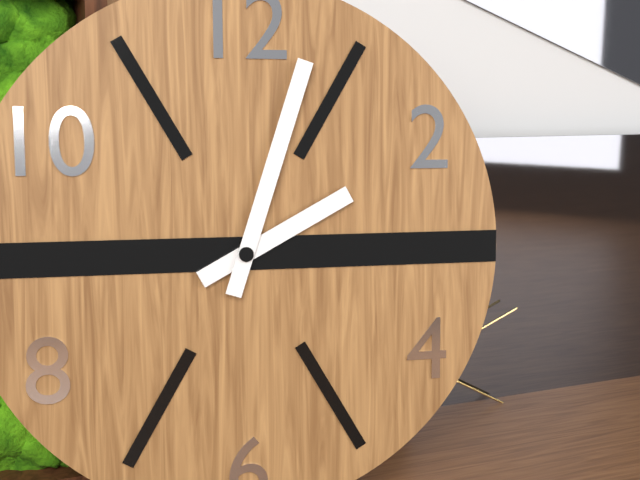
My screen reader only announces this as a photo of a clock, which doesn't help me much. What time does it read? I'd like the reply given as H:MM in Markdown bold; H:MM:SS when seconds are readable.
**2:03**
